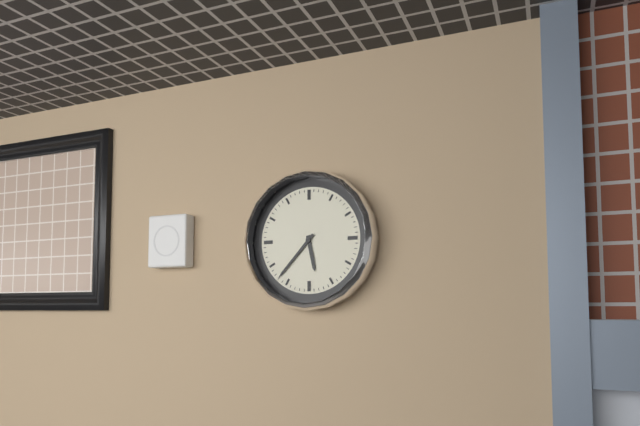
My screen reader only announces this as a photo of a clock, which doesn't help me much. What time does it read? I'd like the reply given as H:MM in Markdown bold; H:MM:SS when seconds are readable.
**5:37**
